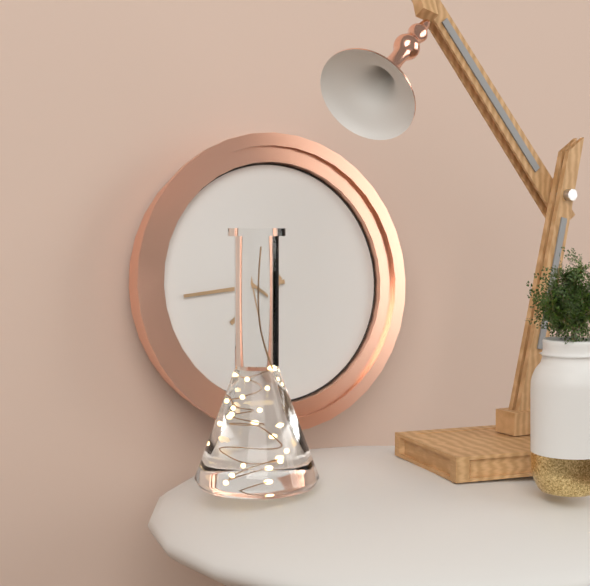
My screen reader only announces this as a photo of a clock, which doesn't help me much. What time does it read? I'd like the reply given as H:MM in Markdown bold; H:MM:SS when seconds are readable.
**7:44**
